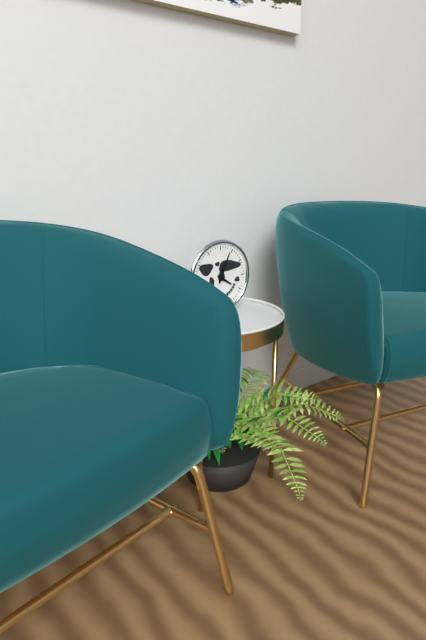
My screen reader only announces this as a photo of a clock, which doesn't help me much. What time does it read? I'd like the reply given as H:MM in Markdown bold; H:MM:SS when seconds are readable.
**4:04**
